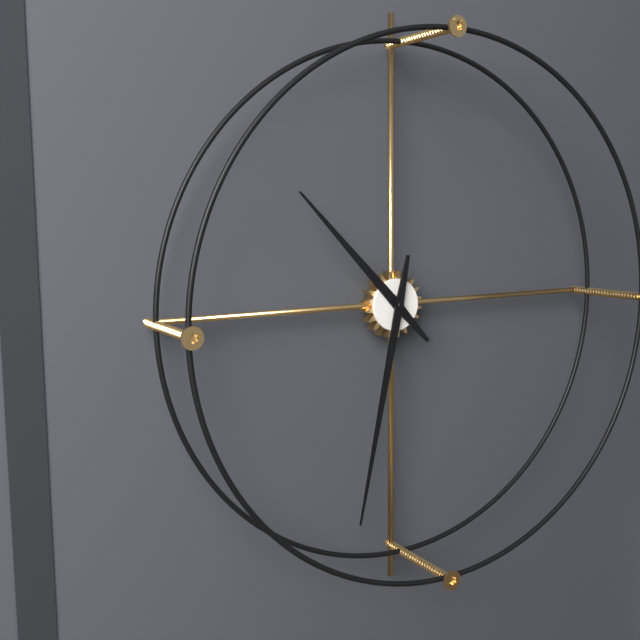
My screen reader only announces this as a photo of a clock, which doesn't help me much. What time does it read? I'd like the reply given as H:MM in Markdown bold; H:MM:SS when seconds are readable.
**10:32**
